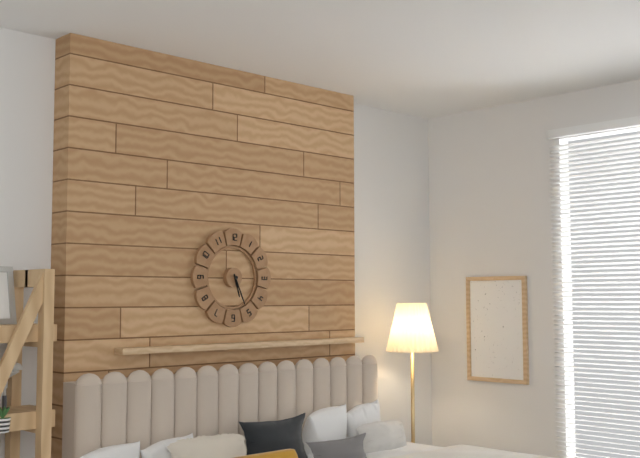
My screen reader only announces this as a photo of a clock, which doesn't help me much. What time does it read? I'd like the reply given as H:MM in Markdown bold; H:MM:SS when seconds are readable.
**5:26**
